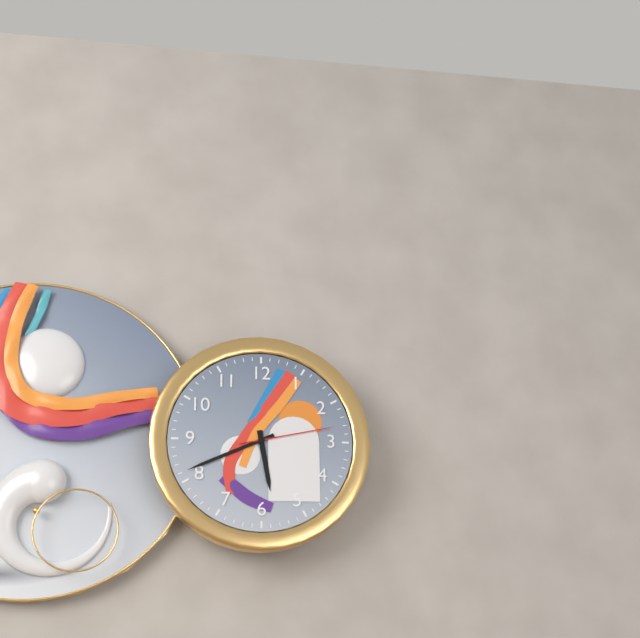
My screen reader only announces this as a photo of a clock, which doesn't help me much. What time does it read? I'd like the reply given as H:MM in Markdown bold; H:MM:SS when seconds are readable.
**5:41:13**
